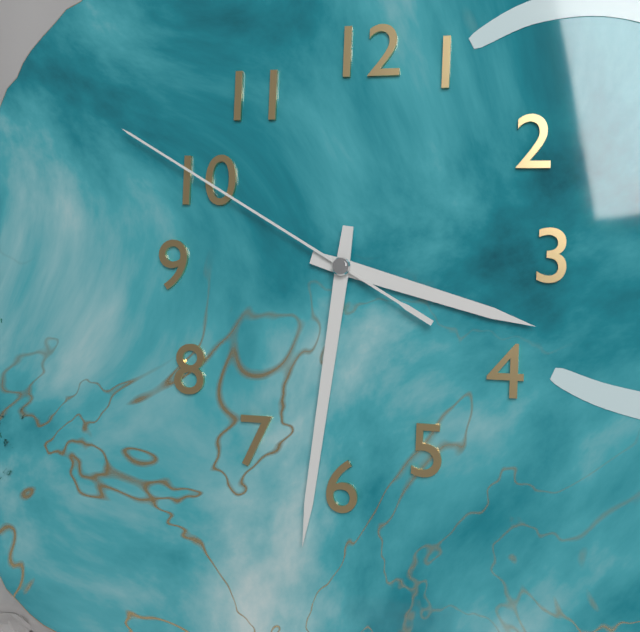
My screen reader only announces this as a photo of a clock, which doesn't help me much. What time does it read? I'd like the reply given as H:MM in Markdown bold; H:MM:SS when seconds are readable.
**3:31:50**
